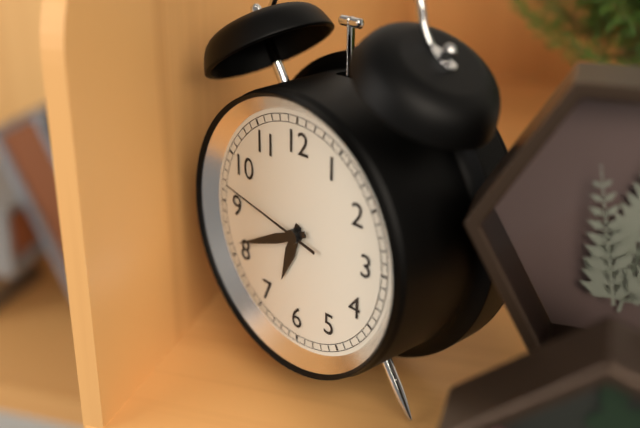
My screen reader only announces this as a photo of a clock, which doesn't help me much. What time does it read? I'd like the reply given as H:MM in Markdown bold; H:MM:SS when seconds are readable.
**6:41:47**
